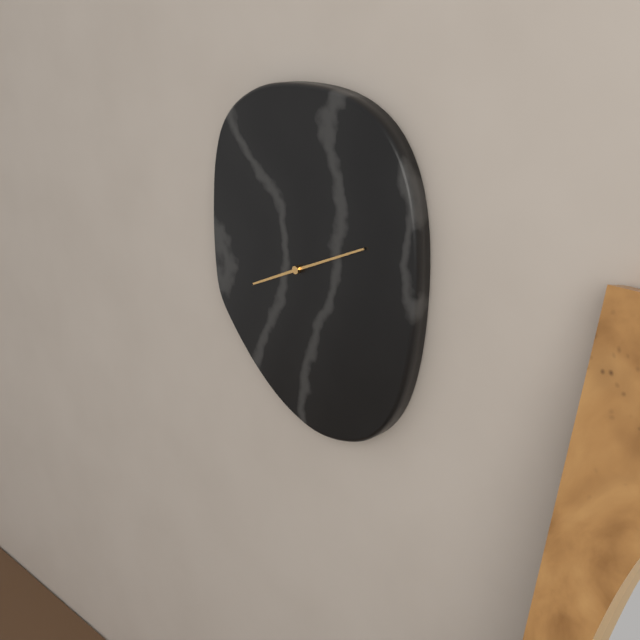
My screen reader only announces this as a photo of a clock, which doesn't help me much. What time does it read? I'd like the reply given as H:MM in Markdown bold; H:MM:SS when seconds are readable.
**8:11**
